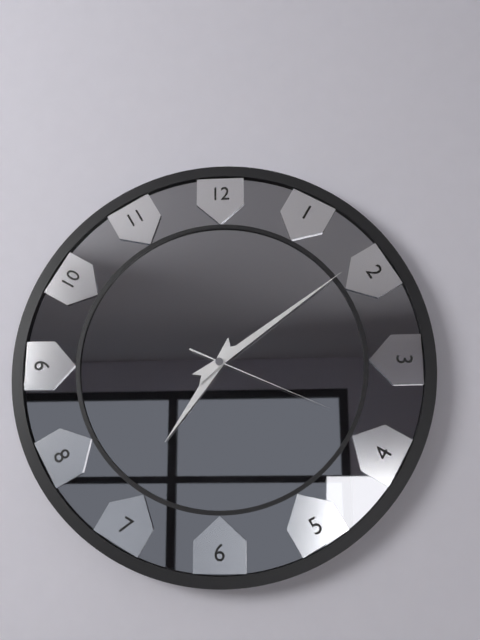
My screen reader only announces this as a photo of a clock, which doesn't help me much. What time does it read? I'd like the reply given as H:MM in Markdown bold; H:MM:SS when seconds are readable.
**7:09:19**
